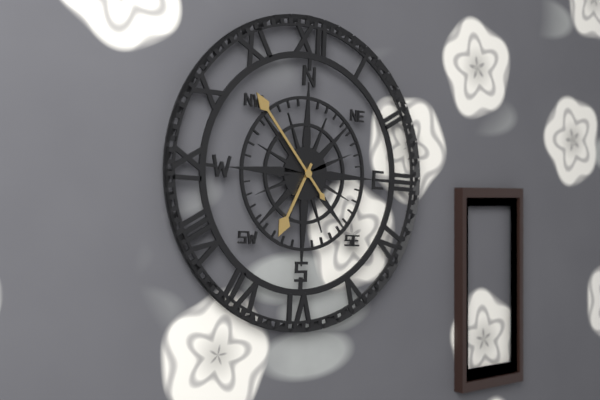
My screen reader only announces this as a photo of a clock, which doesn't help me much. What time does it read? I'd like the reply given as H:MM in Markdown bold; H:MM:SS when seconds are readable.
**6:53**
